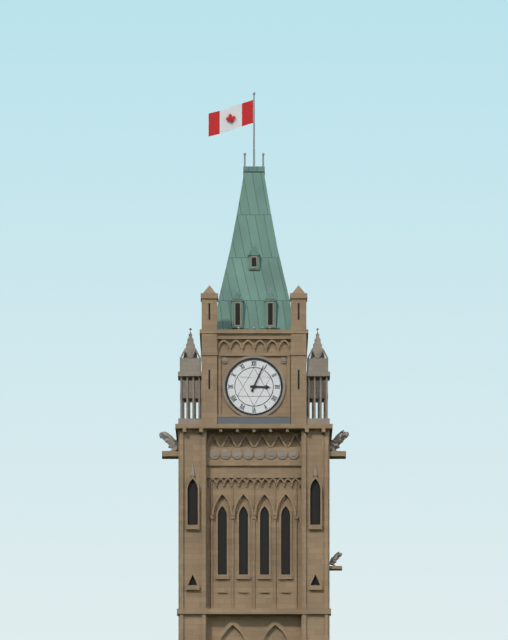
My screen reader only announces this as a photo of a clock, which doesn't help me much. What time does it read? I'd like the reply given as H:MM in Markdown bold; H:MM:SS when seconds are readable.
**3:04**
